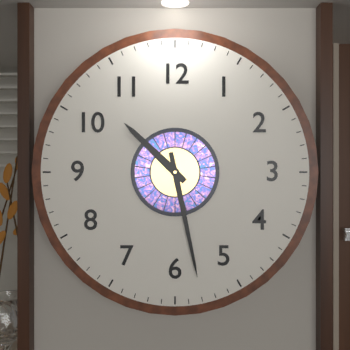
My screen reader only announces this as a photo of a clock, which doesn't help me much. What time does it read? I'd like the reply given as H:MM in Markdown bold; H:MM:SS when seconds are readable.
**10:28**
